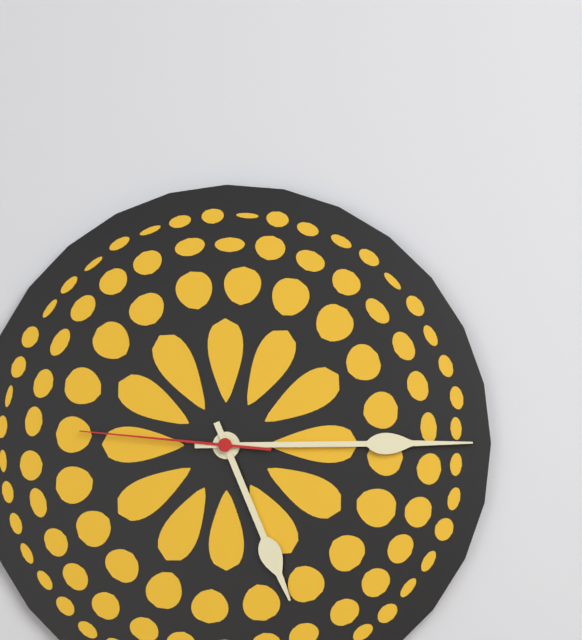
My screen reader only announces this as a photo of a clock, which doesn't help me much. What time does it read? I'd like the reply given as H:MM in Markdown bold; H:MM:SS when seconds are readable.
**5:15:46**
